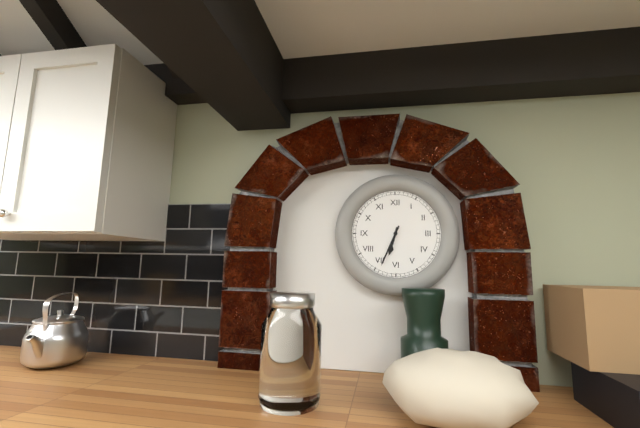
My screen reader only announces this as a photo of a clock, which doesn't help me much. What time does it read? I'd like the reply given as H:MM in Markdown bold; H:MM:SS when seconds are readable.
**6:34**
